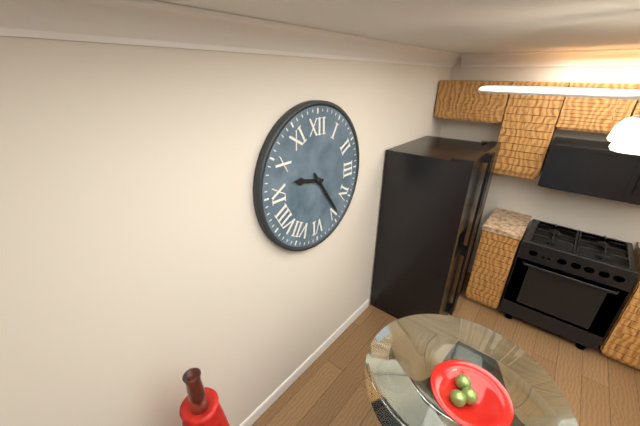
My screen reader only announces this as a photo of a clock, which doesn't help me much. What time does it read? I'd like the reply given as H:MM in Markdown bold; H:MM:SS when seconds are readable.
**9:24**
